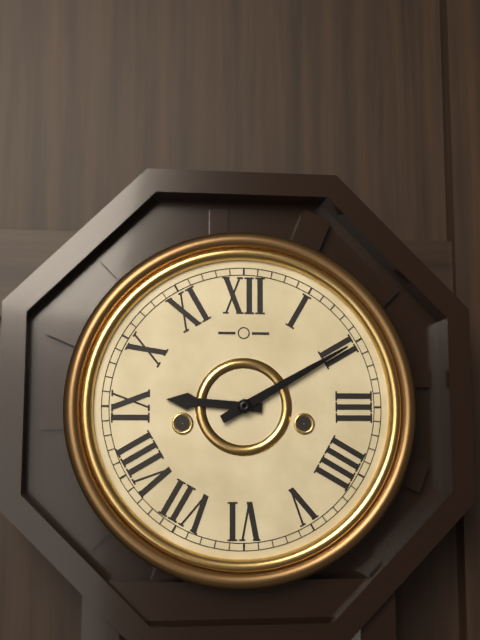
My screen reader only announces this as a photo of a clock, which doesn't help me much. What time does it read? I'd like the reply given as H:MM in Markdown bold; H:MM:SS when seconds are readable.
**9:10**
